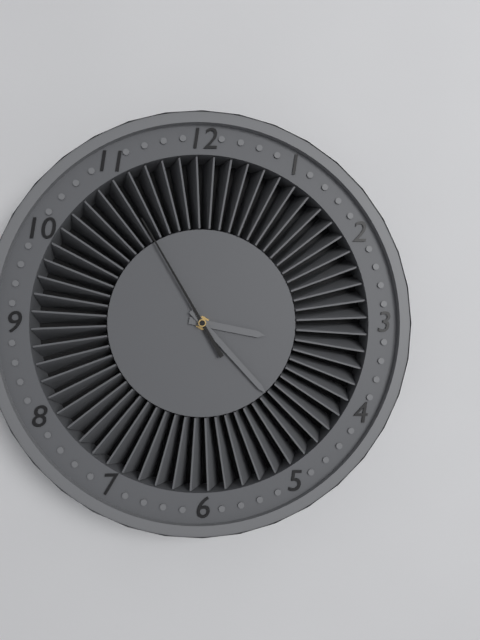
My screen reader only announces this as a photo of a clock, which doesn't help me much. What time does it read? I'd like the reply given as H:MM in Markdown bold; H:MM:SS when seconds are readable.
**3:23:55**
